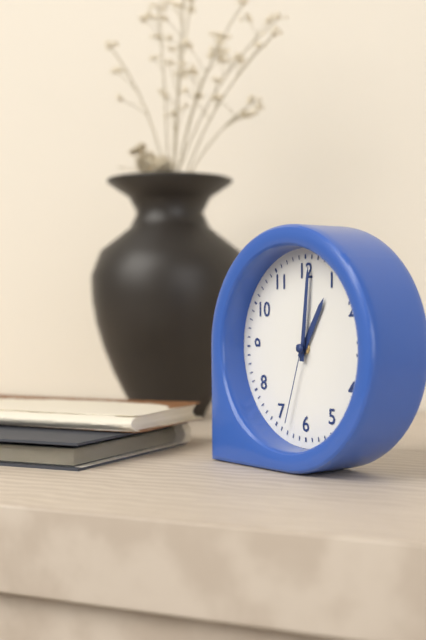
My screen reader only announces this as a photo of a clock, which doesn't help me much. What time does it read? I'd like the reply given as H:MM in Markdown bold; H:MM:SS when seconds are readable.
**1:01:33**
